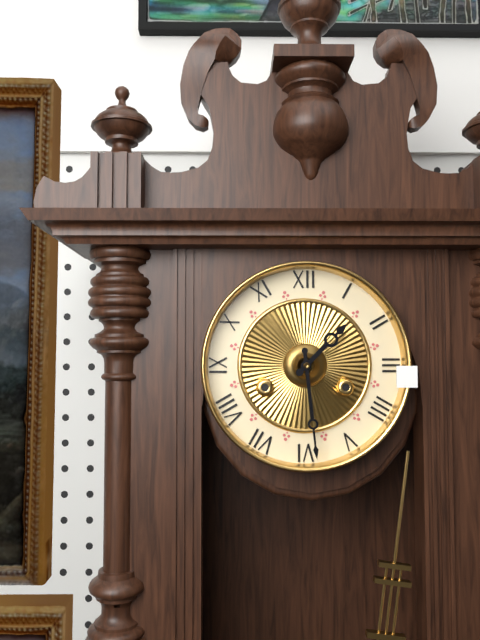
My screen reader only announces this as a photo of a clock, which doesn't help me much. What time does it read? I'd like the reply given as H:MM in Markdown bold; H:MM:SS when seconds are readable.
**1:29**
